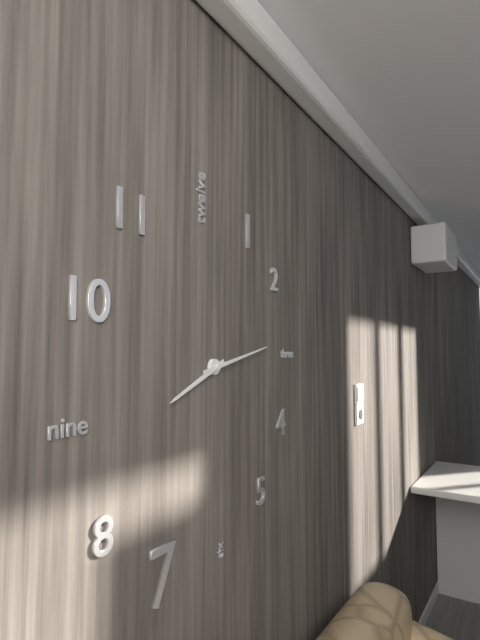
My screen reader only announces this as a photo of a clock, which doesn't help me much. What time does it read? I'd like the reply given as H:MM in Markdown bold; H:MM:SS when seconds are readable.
**8:13**
